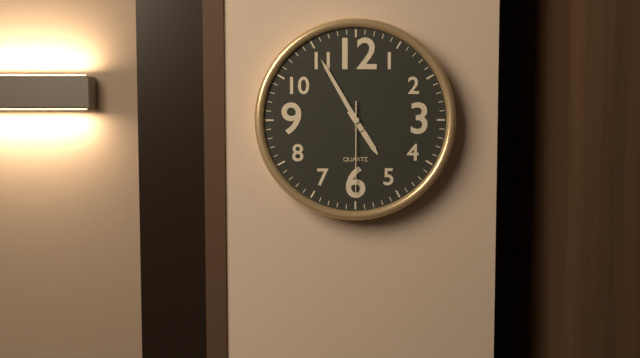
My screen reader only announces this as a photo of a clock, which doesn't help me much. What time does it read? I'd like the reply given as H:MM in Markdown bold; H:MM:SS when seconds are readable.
**4:55:30**
